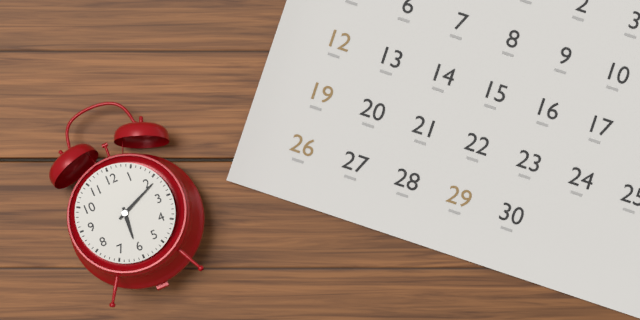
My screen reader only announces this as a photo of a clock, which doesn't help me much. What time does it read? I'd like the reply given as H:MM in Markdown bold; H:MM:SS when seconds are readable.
**6:11**
